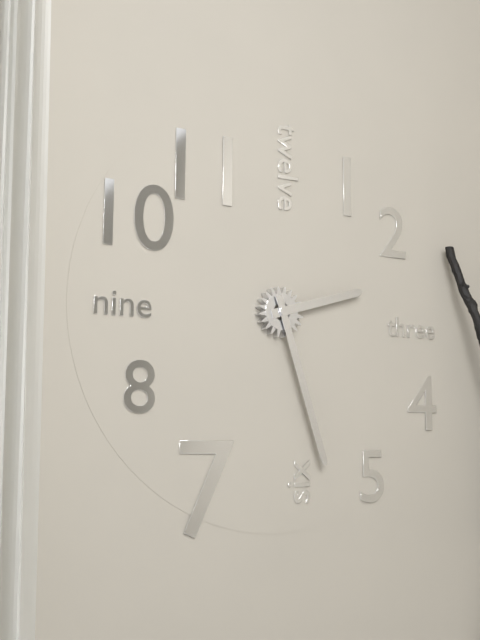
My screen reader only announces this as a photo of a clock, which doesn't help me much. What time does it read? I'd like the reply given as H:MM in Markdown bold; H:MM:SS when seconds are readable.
**2:27**
